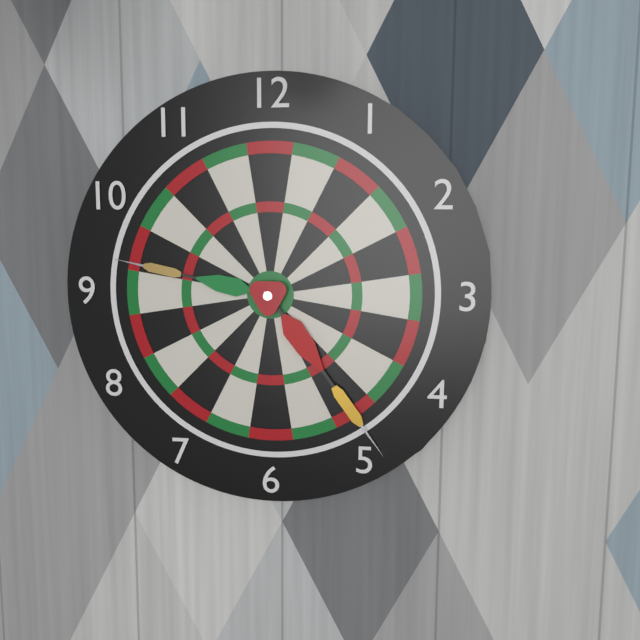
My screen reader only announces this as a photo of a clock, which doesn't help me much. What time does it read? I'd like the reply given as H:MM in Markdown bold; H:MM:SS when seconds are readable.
**9:24**
